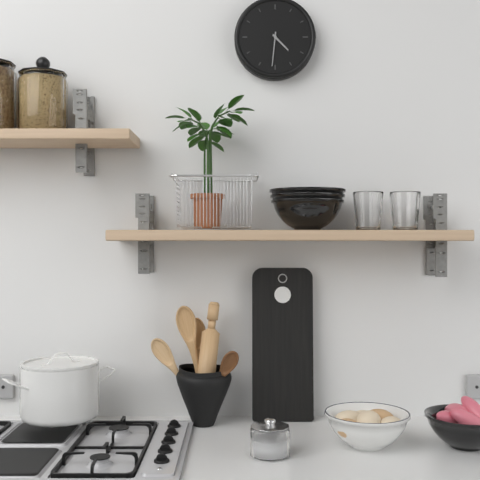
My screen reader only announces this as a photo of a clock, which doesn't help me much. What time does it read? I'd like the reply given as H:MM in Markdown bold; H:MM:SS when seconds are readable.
**4:31**
